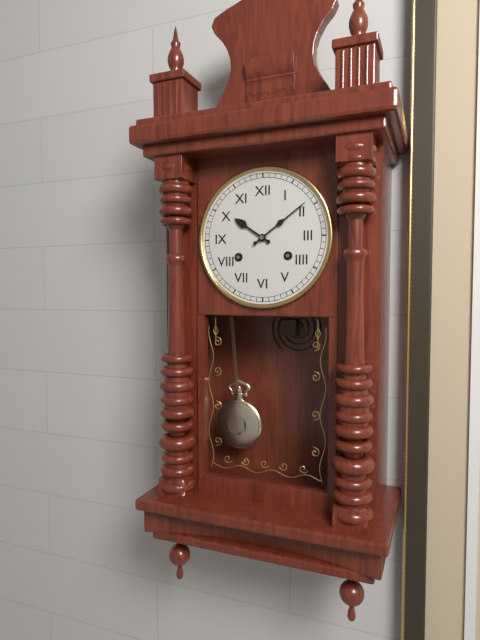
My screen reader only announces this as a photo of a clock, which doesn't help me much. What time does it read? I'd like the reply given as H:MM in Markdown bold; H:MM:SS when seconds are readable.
**10:09**
